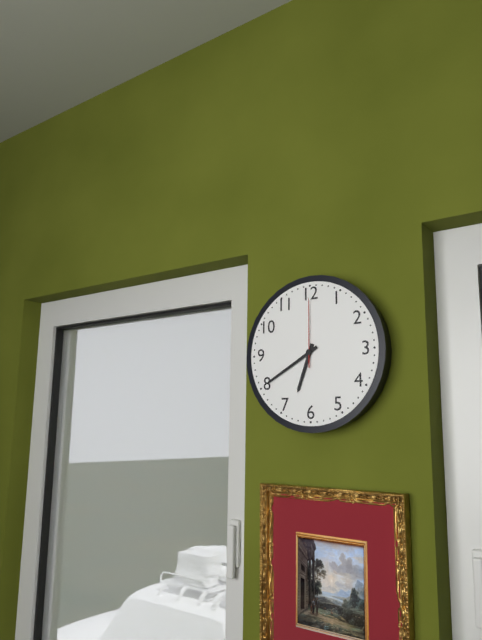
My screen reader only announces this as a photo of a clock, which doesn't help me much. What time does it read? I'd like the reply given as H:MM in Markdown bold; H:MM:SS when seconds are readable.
**6:40:00**
